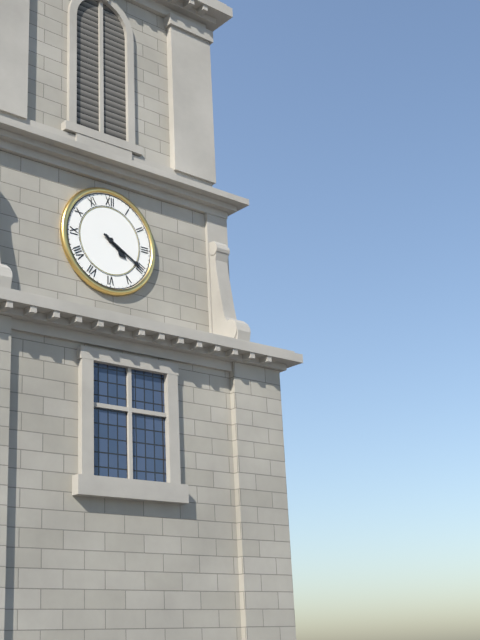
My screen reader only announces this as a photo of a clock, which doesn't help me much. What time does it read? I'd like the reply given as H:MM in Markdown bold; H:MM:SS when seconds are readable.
**4:20**
